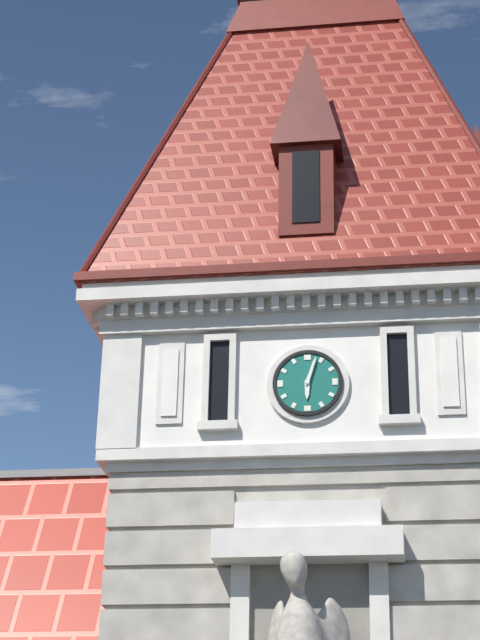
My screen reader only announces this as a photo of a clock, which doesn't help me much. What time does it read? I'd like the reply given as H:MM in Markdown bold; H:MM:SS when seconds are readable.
**6:03**
